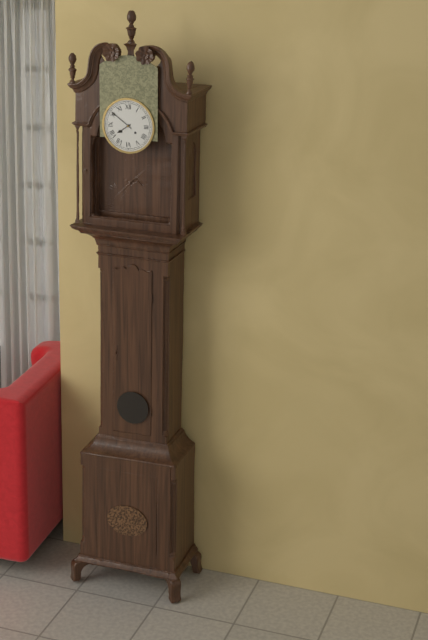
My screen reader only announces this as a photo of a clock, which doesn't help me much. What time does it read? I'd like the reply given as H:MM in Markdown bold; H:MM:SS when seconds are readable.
**7:51**
